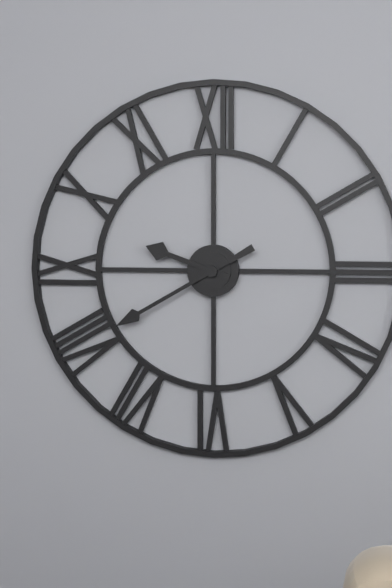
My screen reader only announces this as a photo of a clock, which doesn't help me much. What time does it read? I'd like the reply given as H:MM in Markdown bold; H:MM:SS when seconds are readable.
**9:40**
